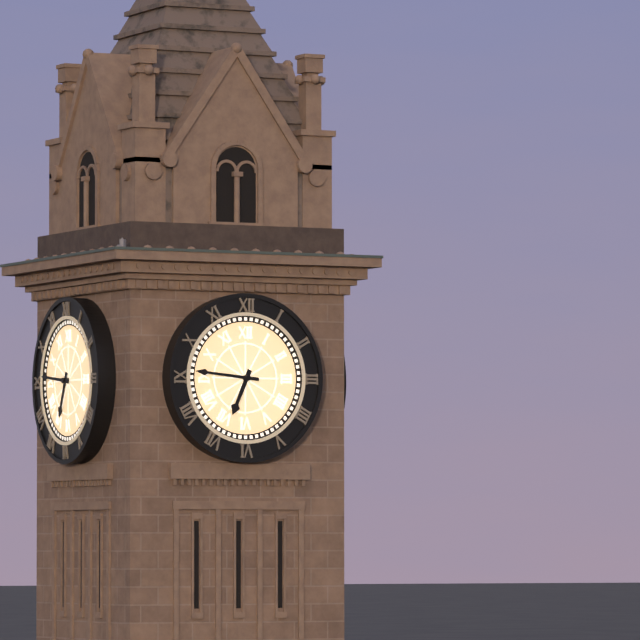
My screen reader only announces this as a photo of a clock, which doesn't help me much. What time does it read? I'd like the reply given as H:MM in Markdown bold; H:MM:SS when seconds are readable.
**6:46**
